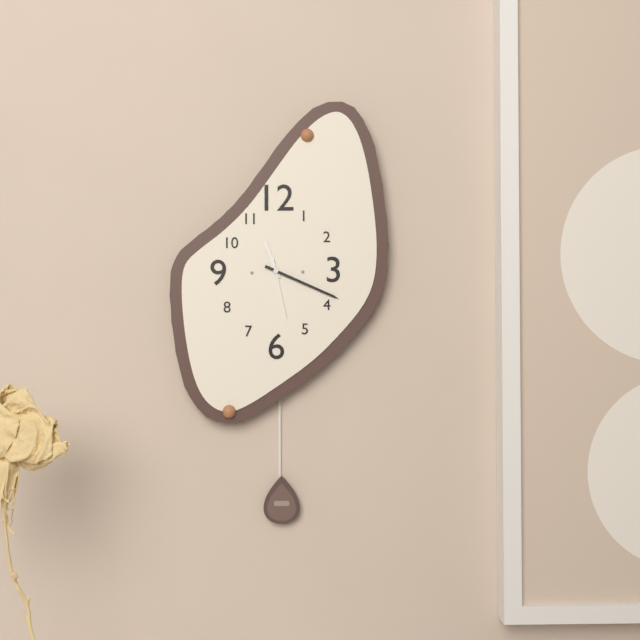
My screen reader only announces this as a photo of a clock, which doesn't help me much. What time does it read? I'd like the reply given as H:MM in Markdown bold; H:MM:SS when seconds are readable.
**11:19:28**
